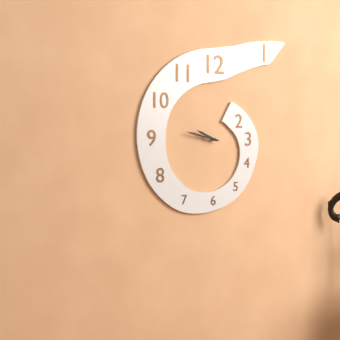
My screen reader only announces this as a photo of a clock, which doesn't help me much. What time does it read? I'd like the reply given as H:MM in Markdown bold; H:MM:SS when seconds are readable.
**9:47**
